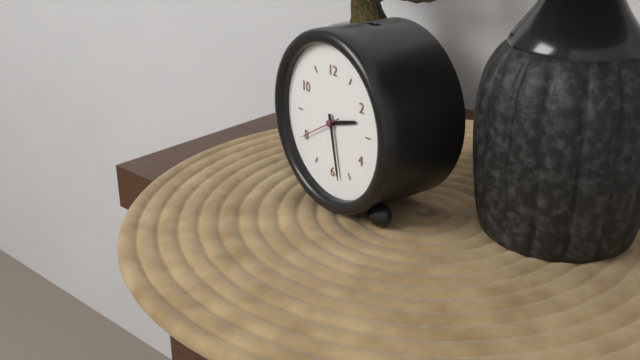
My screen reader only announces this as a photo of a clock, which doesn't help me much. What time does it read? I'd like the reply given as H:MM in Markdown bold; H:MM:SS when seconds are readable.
**2:28**
